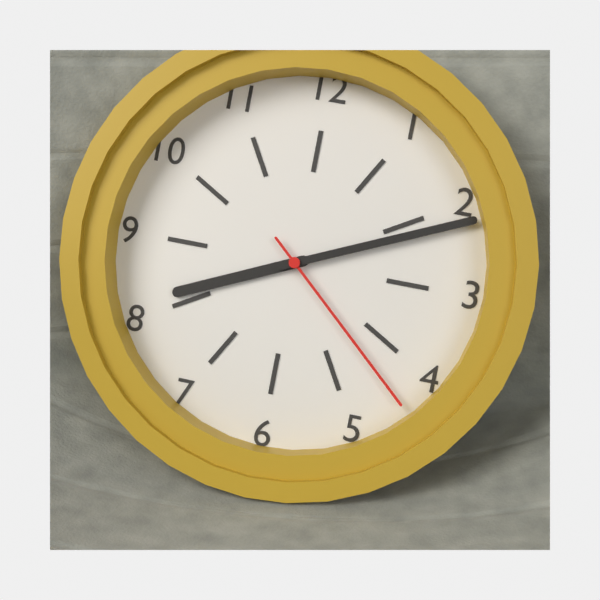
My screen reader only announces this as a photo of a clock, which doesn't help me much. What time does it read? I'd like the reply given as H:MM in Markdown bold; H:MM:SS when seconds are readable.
**8:11:22**
